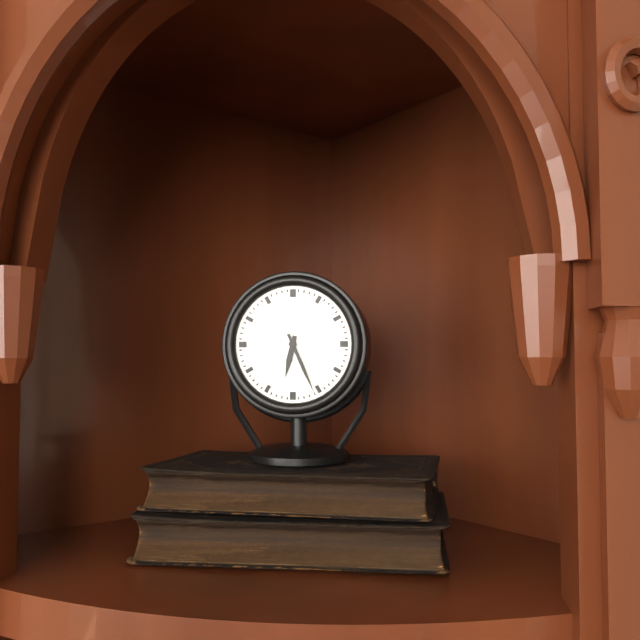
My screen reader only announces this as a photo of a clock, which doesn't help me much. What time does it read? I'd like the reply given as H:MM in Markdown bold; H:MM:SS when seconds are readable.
**6:26**
